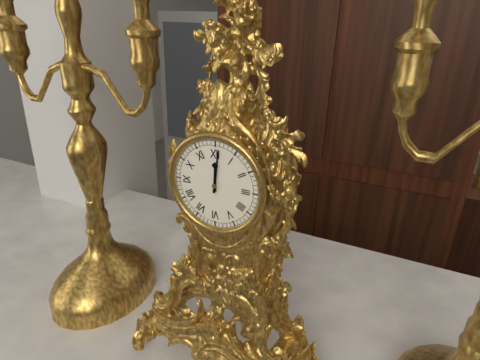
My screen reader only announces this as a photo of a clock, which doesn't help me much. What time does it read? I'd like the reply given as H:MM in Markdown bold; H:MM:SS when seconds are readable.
**12:01**
